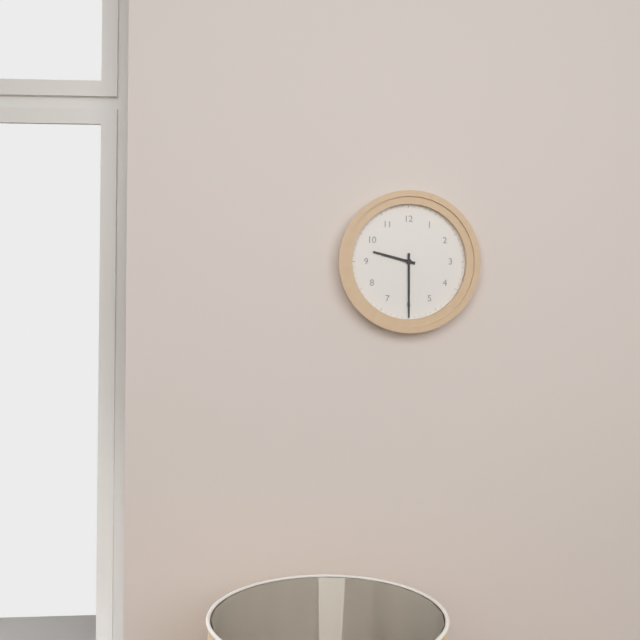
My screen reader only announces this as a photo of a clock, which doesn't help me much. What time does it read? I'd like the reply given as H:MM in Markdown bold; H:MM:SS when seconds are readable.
**9:30**
